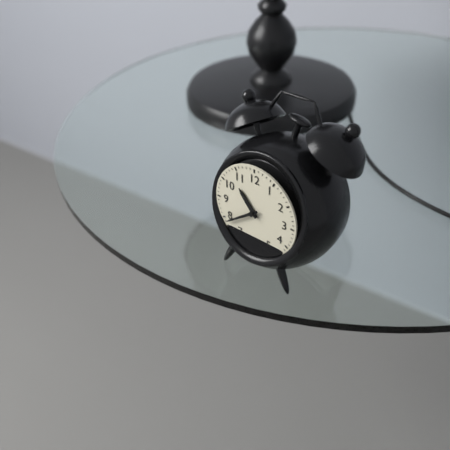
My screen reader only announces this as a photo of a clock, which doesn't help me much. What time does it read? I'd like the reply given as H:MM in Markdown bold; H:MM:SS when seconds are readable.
**10:39**
